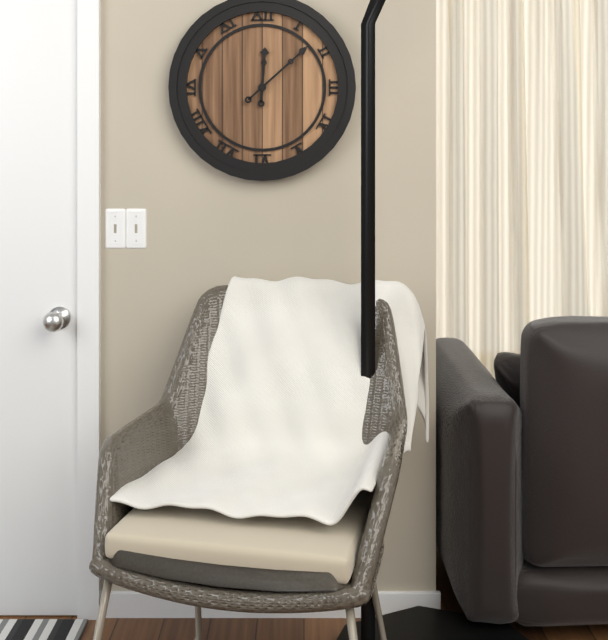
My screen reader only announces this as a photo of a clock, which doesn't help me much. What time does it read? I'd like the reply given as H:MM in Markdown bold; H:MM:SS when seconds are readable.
**12:08**
